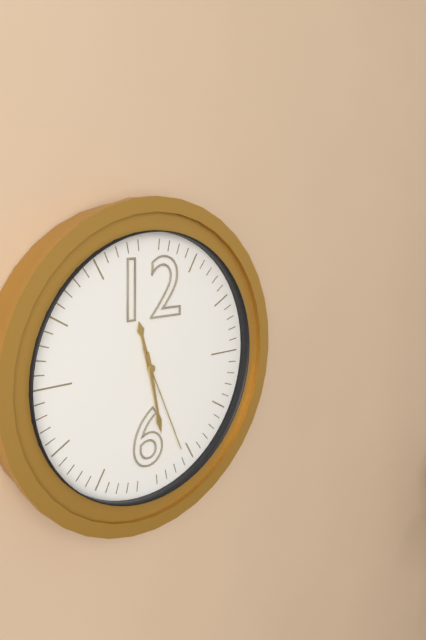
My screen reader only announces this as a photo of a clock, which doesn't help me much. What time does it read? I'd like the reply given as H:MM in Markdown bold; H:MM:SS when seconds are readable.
**11:28:26**
